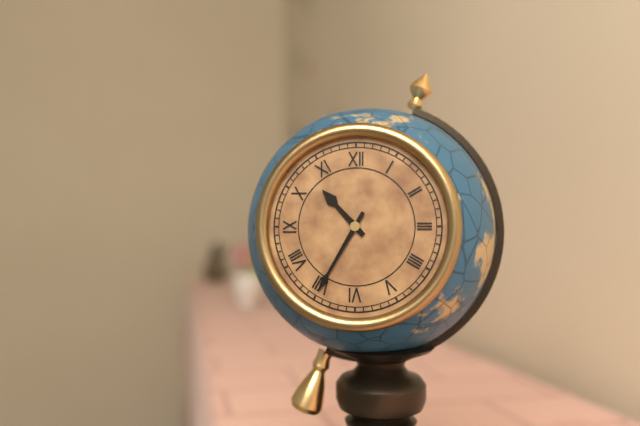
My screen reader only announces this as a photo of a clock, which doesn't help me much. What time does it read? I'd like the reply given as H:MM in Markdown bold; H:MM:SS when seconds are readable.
**10:35**
